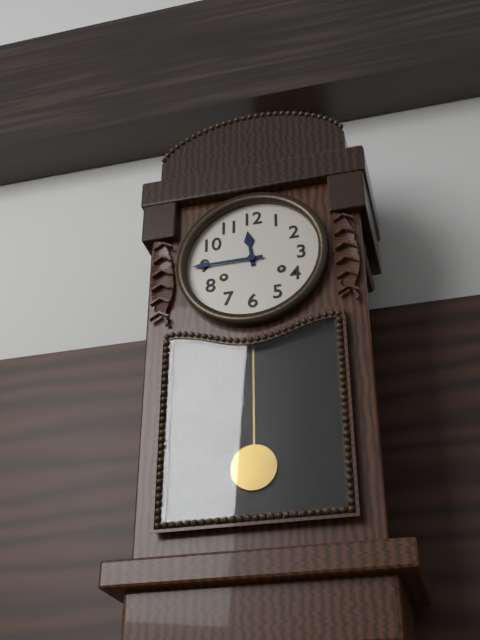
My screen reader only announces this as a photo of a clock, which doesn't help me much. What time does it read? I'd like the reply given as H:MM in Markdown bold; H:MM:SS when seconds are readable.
**11:45**
